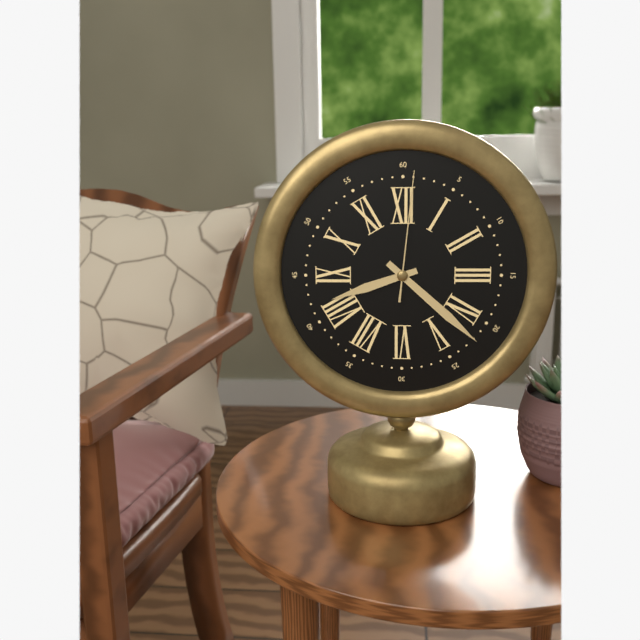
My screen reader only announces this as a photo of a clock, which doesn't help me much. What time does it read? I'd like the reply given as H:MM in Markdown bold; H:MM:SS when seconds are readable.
**8:22:01**
